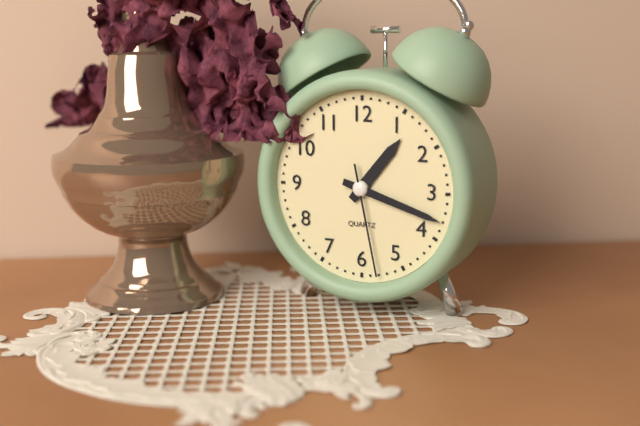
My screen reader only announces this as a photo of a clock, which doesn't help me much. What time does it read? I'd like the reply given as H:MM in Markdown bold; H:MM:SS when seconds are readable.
**1:18:28**
